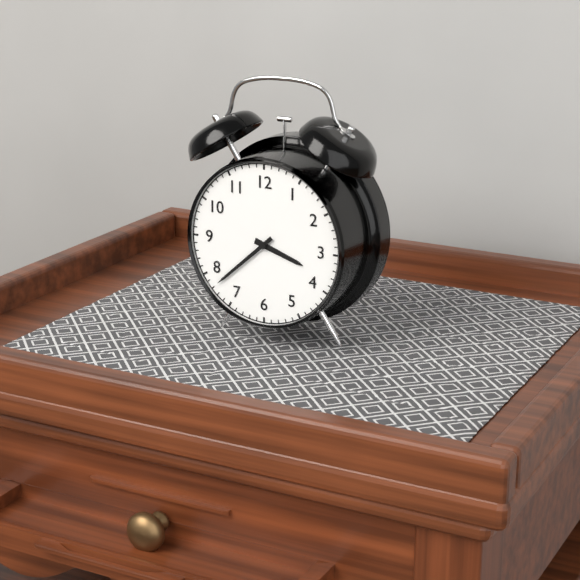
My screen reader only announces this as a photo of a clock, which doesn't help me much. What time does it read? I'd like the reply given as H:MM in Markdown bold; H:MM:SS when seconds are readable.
**3:38**
